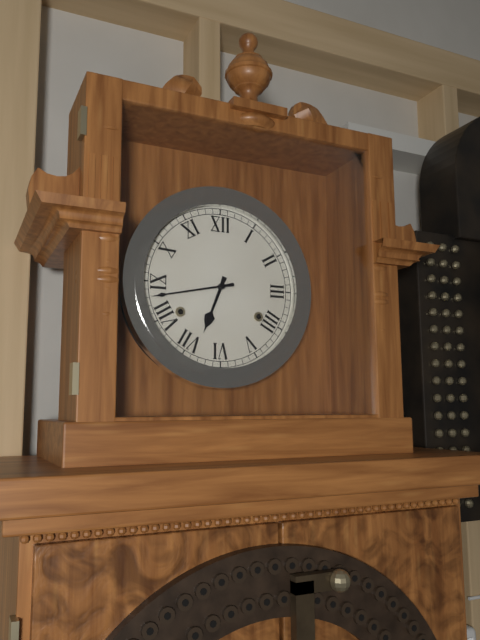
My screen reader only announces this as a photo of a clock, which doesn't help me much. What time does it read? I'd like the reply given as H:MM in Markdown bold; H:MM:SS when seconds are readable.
**6:43**
